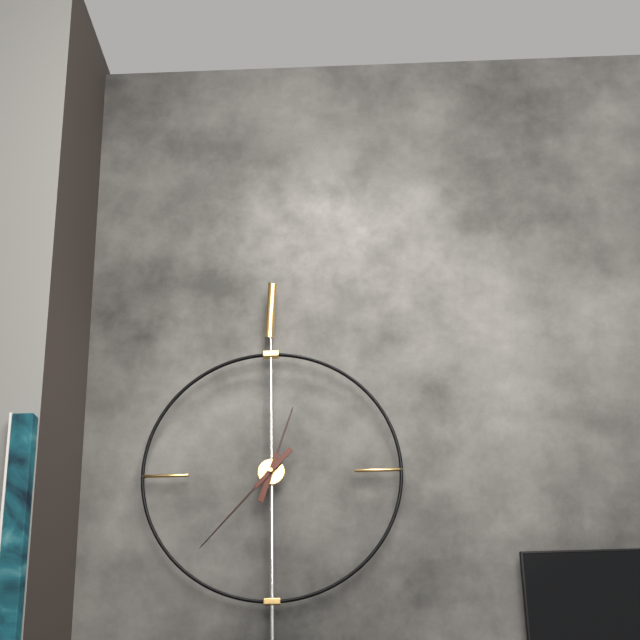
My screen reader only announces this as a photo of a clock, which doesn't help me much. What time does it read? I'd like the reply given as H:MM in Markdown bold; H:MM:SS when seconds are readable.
**12:37**
